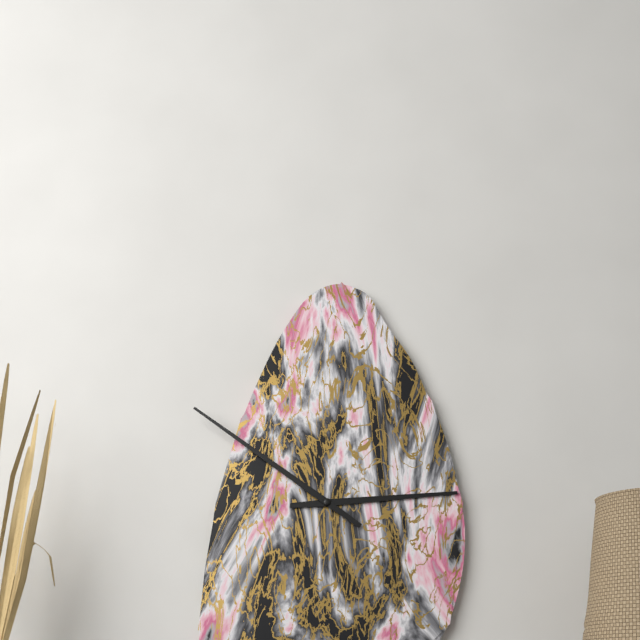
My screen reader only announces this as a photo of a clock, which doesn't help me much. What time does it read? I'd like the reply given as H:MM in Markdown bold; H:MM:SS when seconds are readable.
**2:51**
